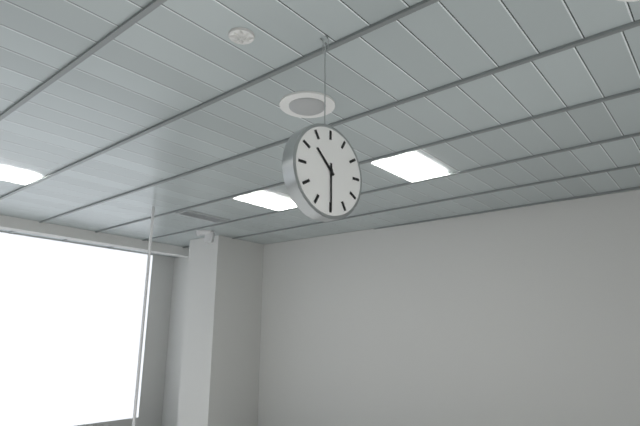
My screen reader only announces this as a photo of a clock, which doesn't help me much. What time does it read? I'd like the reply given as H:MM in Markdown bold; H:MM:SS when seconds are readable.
**10:30**
